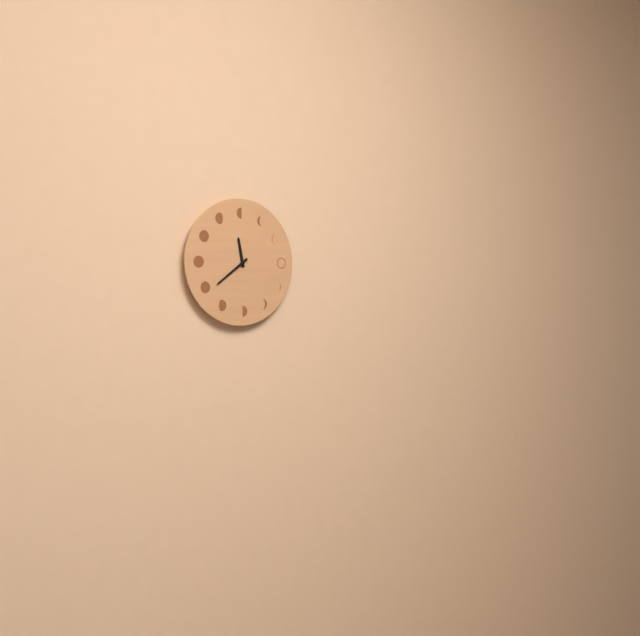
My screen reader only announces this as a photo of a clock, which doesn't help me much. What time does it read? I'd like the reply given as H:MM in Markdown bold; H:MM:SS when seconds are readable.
**11:39**
